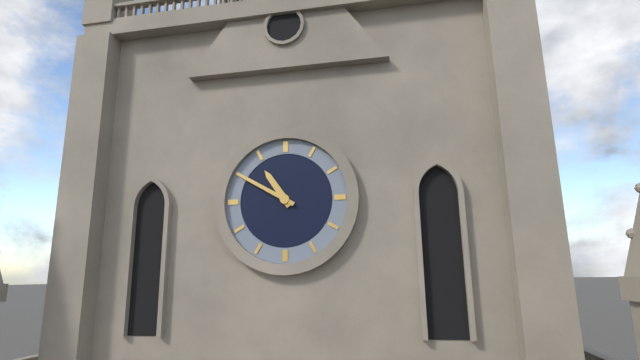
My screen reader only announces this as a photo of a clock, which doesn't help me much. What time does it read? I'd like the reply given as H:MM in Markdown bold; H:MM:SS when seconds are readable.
**10:50**
